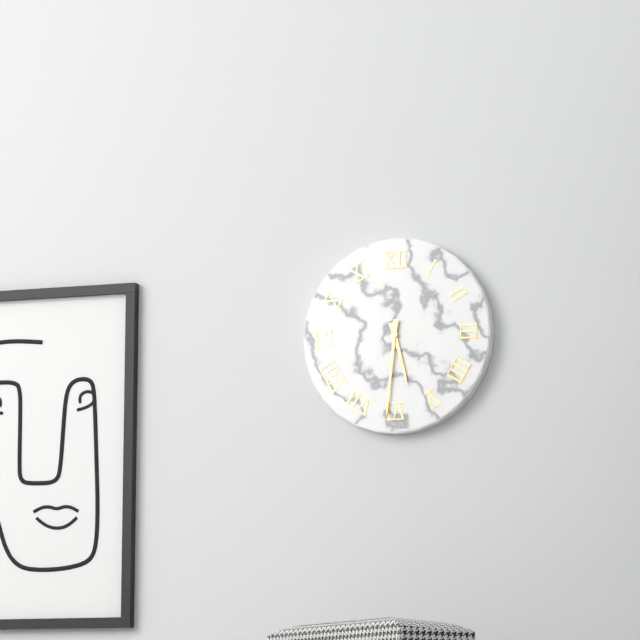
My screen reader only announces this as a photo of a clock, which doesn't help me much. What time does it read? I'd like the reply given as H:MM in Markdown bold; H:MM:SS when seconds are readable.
**5:31**
